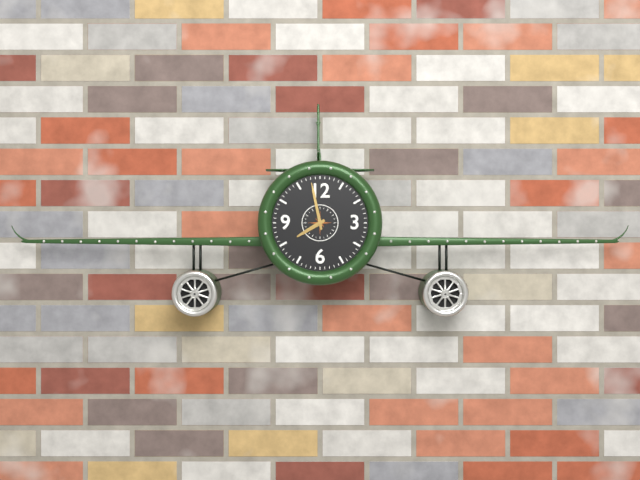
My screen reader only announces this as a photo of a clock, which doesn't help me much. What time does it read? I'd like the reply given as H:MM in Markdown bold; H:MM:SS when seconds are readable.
**7:58**
